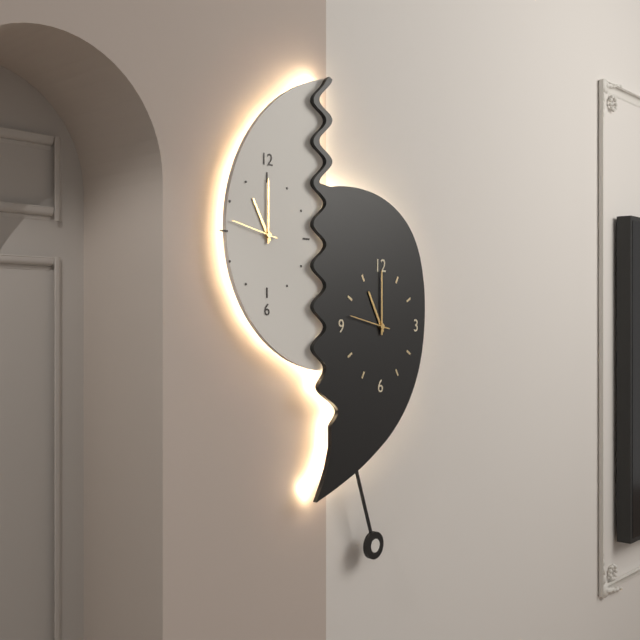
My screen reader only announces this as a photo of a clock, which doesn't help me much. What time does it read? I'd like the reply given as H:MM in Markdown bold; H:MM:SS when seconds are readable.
**11:00**
